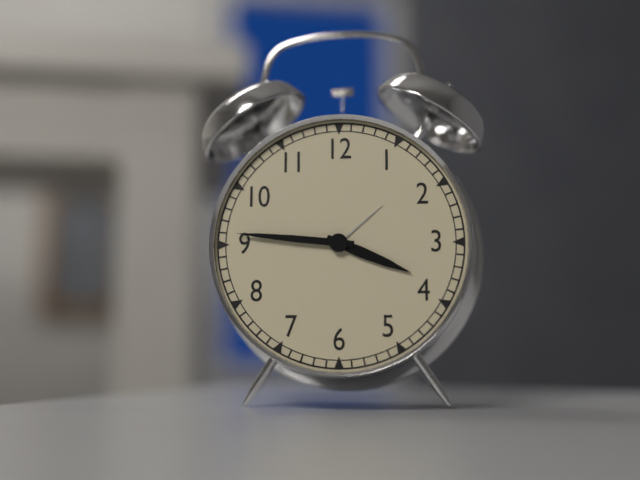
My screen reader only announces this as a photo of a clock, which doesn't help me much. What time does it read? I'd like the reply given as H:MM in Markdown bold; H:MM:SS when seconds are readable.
**3:46**
